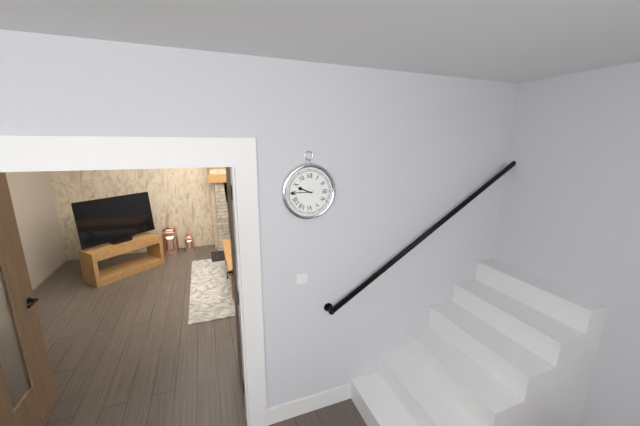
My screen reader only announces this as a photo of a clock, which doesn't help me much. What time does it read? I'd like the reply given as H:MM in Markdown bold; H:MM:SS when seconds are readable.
**9:45**
